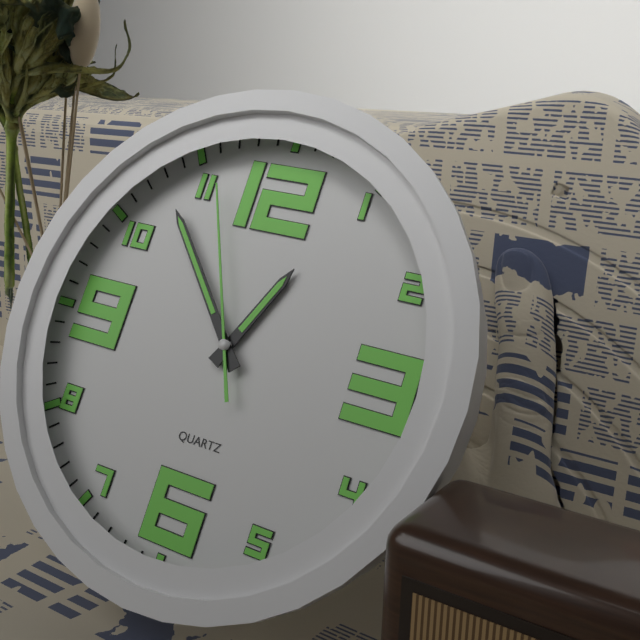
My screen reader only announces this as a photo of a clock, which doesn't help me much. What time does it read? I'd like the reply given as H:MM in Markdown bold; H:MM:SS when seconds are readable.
**12:53:56**
